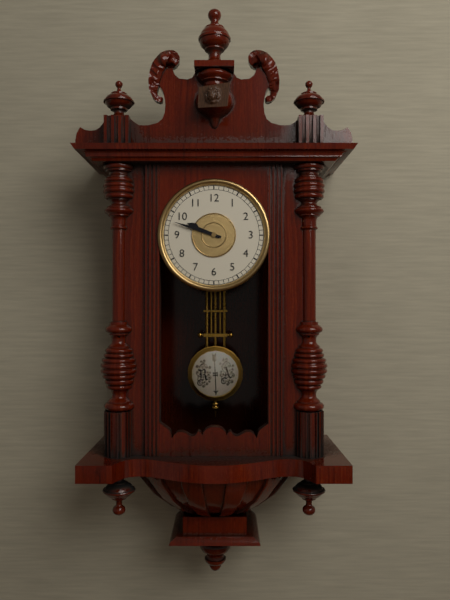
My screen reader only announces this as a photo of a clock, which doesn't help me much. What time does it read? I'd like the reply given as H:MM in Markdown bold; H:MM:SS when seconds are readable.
**9:48**
